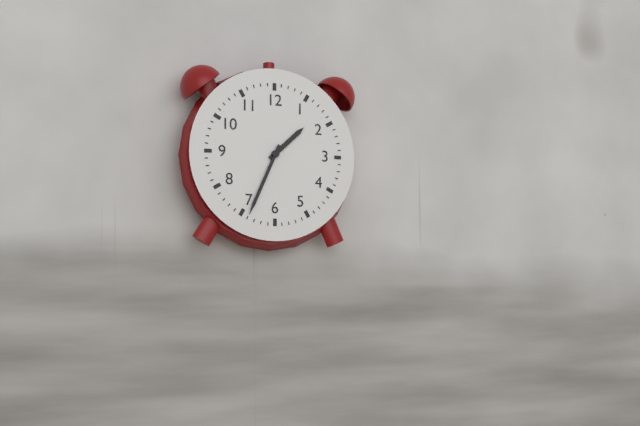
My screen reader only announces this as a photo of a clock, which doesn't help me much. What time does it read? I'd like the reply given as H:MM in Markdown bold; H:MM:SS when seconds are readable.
**1:34**
